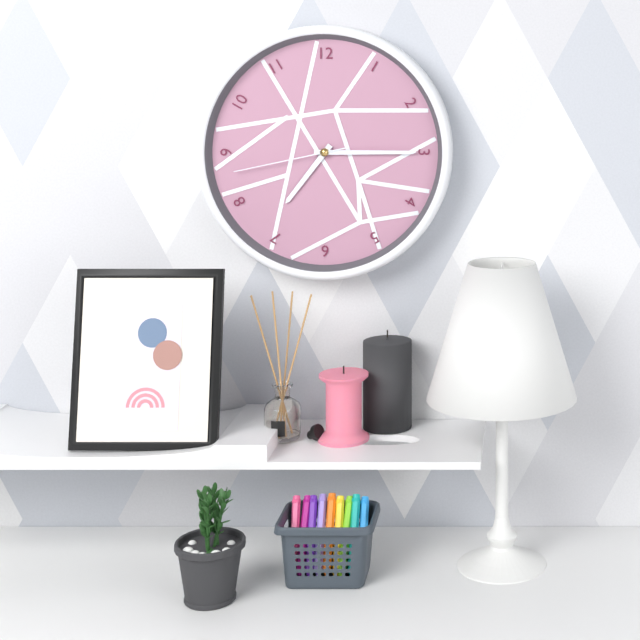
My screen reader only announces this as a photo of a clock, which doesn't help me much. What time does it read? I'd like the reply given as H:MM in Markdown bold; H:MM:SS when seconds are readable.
**7:15:43**
